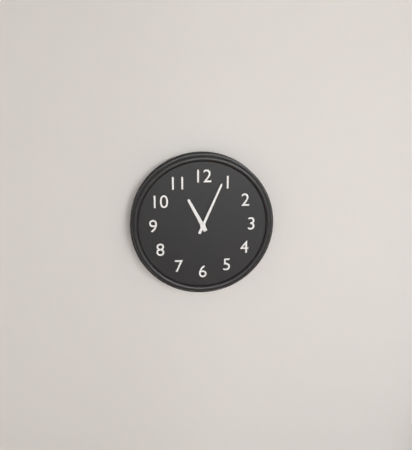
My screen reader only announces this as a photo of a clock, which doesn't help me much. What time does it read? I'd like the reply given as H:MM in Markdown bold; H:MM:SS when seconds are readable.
**11:04**
